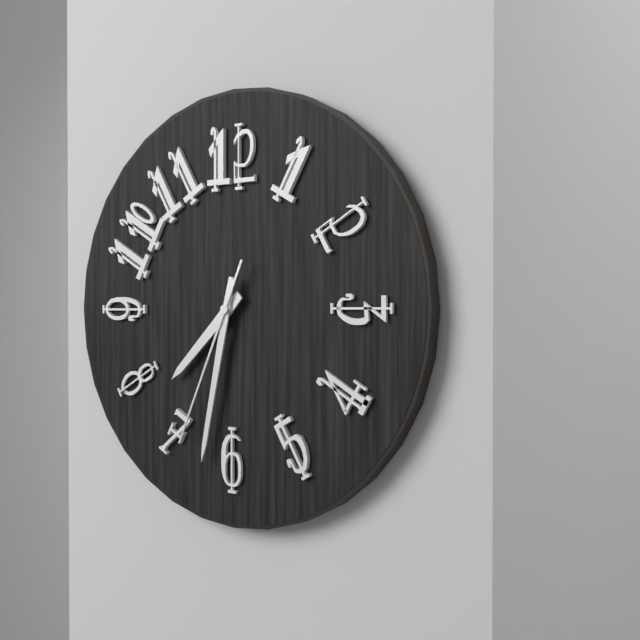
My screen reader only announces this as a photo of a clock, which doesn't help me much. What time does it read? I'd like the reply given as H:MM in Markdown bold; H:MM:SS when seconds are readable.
**7:32:34**
